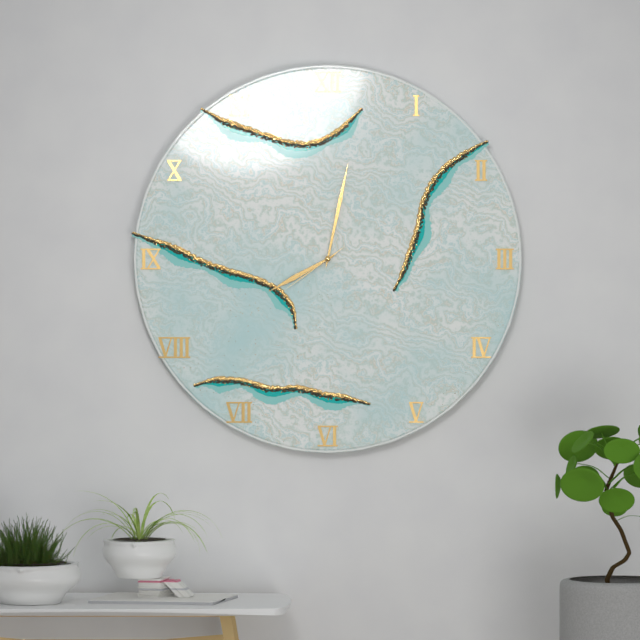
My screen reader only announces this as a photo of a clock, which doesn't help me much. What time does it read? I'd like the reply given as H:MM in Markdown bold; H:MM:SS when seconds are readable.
**8:02:39**
